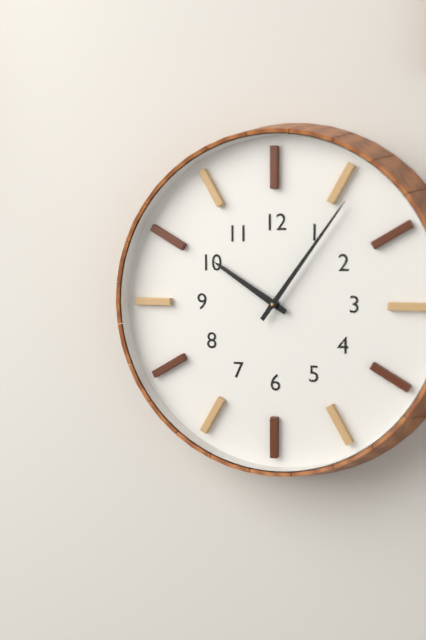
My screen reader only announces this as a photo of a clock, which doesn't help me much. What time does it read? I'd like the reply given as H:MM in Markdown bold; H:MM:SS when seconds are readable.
**10:06**
